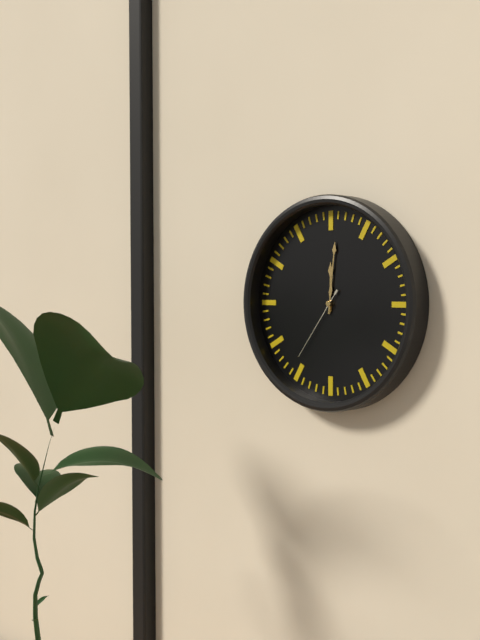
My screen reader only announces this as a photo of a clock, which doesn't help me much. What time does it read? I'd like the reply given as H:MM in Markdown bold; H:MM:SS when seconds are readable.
**12:01:36**
